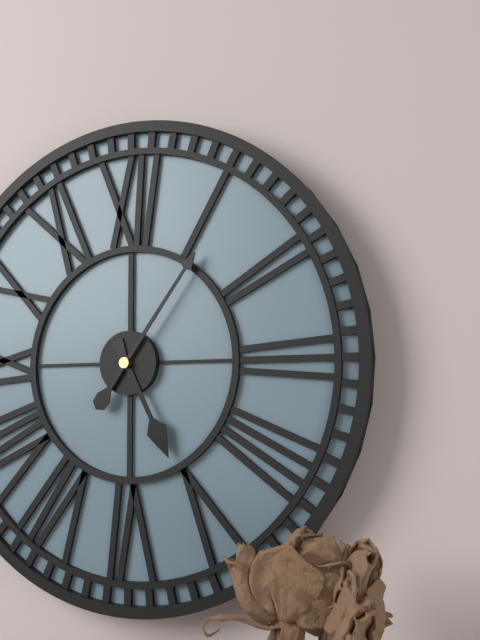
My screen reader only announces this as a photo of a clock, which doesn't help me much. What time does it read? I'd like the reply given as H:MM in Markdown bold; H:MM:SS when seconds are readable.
**5:06**
